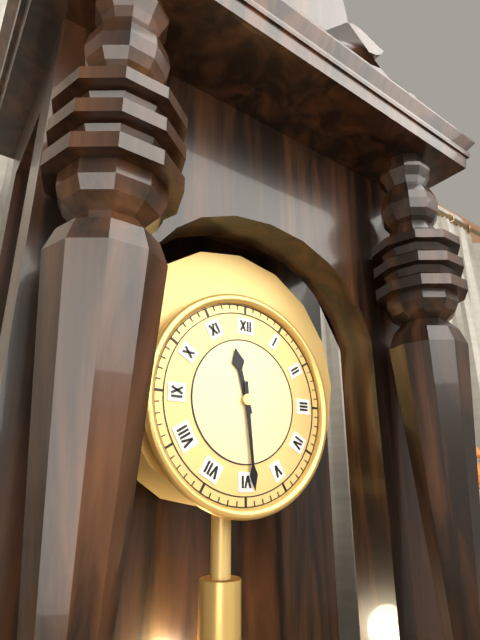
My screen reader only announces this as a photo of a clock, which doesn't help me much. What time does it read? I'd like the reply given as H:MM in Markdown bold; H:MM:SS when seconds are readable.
**11:29**
